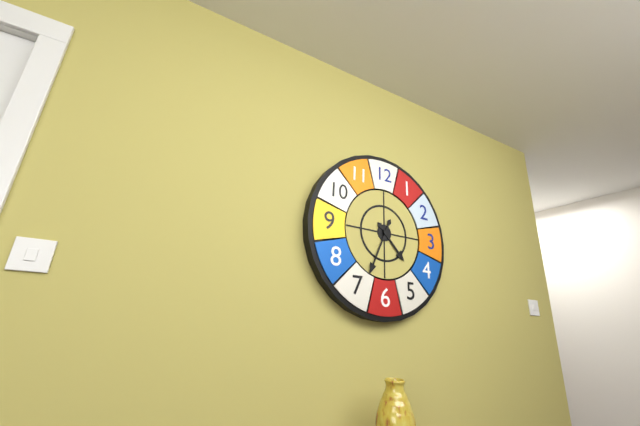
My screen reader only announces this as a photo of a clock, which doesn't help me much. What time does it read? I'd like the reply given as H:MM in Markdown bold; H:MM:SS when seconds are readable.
**4:34**
